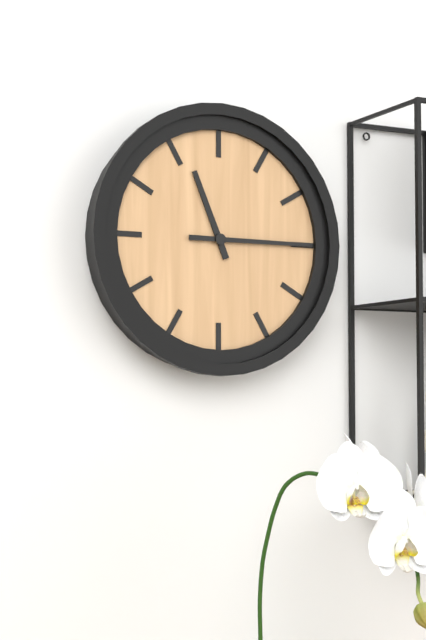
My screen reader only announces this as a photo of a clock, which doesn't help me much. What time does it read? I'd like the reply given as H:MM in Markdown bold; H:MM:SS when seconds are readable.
**11:15**
